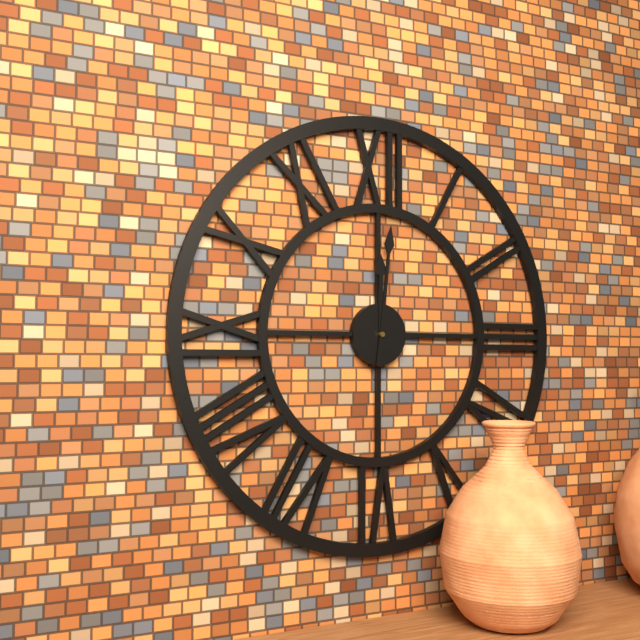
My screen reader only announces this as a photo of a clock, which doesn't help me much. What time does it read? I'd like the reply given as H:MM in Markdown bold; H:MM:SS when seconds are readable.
**12:01**
